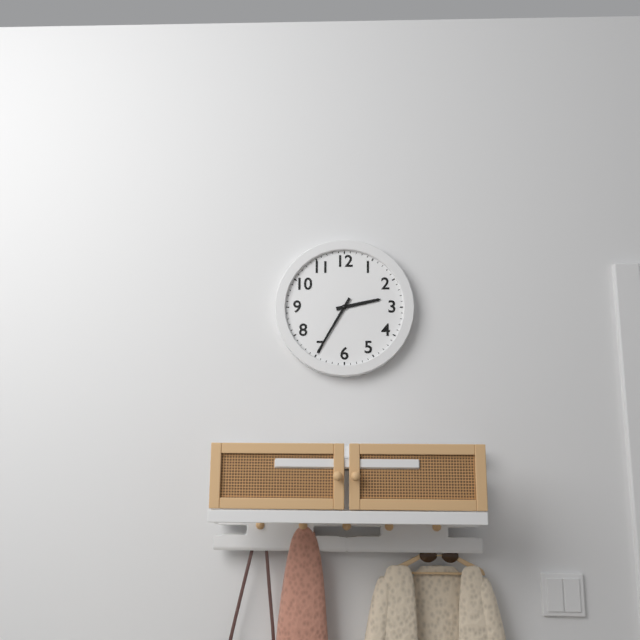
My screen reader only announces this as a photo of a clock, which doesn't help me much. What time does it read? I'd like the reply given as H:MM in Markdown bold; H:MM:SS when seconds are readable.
**2:35**
